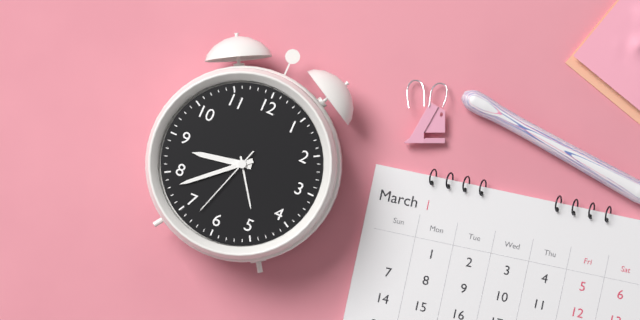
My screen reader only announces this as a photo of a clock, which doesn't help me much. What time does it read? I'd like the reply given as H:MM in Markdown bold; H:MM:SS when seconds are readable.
**8:38:33**
